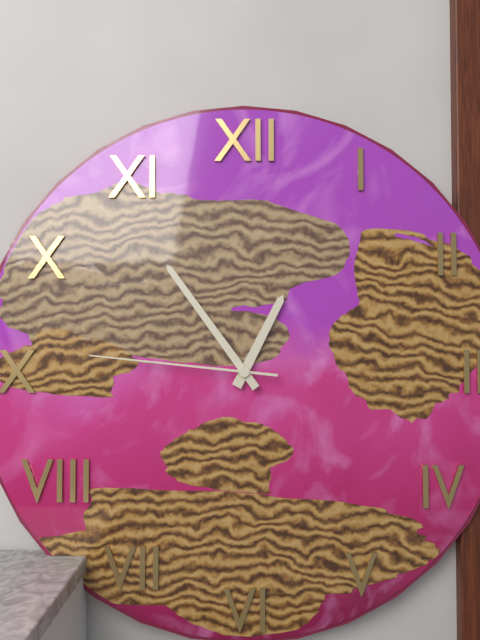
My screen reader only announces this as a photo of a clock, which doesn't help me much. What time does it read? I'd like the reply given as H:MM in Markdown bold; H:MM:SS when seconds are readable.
**12:54:46**
